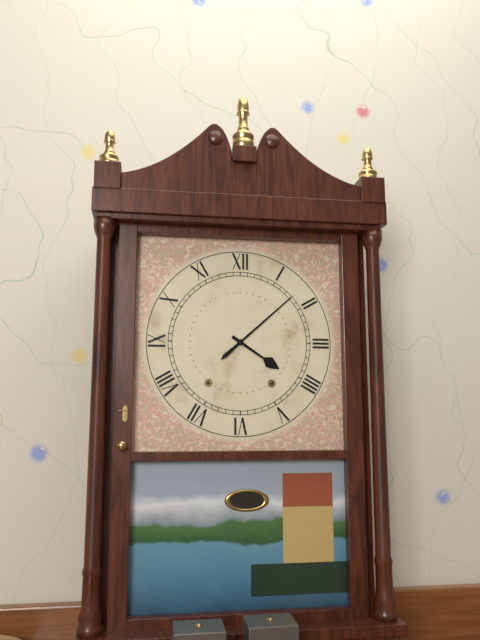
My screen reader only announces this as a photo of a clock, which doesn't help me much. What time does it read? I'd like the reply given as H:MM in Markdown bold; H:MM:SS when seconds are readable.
**4:08**
